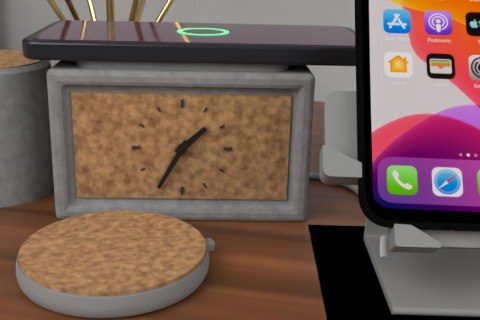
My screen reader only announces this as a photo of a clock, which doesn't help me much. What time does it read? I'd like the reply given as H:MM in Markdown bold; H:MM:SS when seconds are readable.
**1:35**
